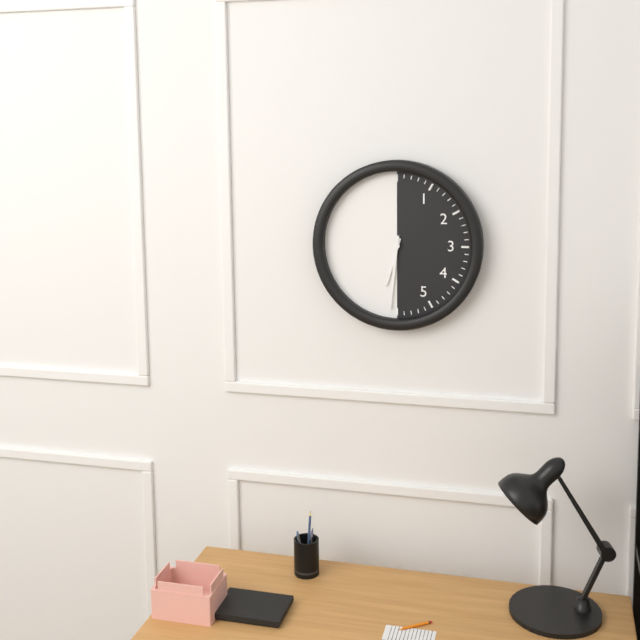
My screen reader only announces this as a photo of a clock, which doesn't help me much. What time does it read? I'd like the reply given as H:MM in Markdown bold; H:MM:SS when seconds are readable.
**6:31**
